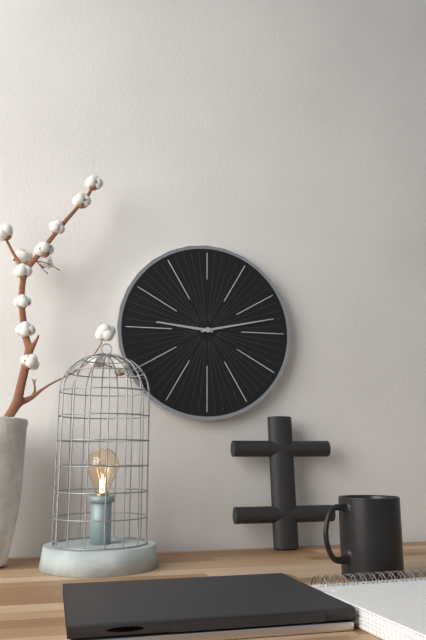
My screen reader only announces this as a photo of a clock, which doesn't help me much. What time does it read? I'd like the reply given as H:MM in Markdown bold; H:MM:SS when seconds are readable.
**9:13**
